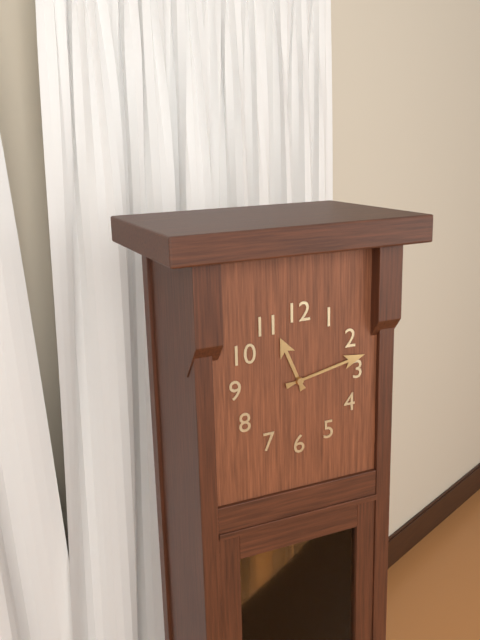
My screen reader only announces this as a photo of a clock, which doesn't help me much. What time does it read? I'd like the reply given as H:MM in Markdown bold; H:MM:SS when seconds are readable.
**11:13**
